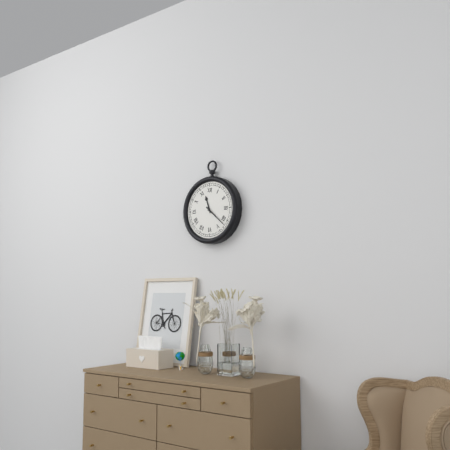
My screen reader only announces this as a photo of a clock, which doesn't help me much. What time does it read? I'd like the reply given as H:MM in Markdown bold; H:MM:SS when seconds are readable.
**11:22**
